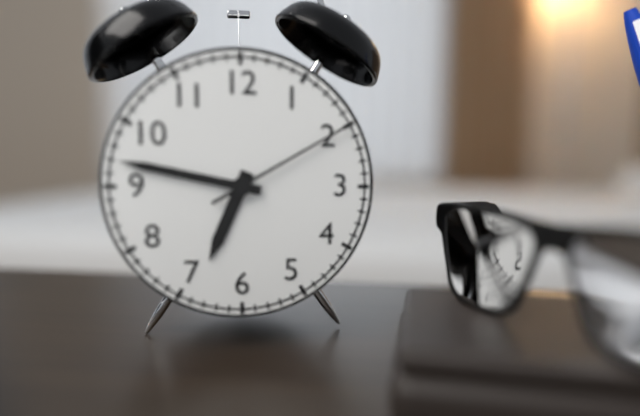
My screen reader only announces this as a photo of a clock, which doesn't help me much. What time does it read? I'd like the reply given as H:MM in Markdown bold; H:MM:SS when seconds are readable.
**6:47:10**
